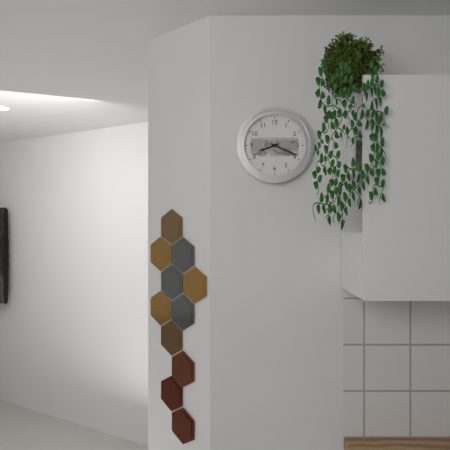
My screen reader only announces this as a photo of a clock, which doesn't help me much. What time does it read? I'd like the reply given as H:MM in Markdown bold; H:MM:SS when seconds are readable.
**8:19**
